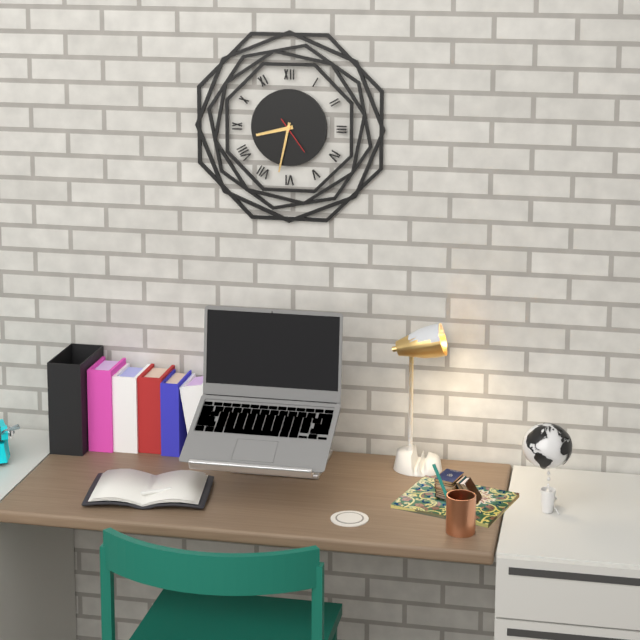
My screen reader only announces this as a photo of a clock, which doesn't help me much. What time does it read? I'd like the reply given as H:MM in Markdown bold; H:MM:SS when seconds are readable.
**8:32**
